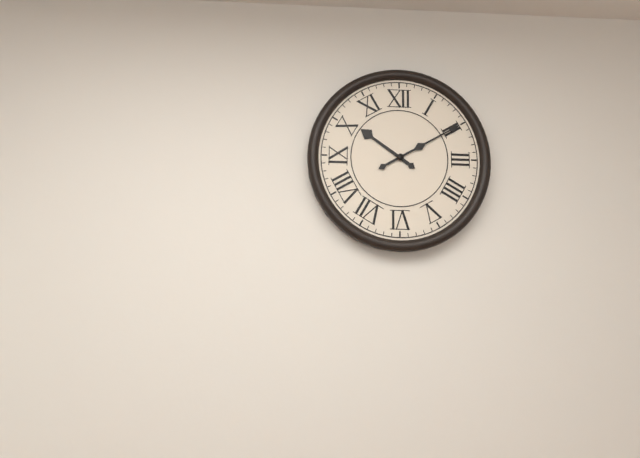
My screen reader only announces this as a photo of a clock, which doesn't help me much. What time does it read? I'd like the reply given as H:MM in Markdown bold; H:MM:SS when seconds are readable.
**10:10**
